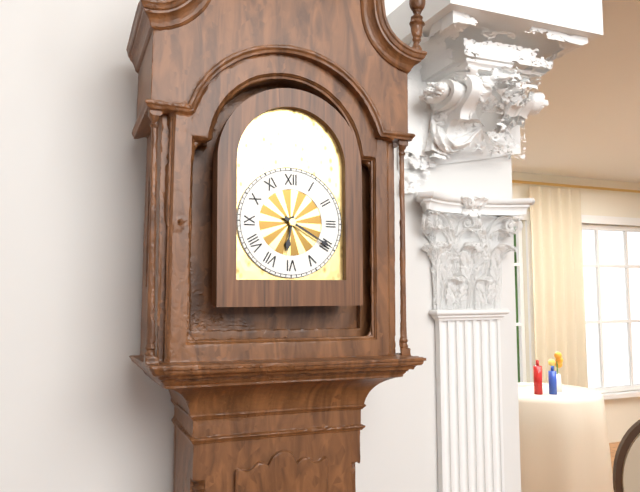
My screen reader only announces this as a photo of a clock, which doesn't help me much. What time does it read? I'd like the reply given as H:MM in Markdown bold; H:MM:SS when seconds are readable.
**6:20**
